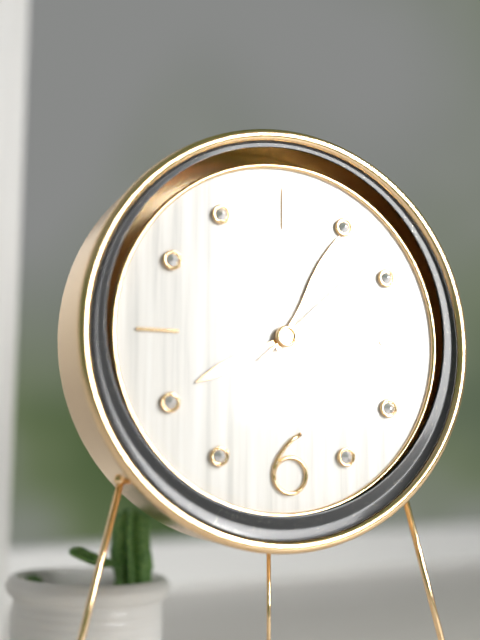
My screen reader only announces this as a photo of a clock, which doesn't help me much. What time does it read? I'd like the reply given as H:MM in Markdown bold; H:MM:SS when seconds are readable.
**8:05:08**
